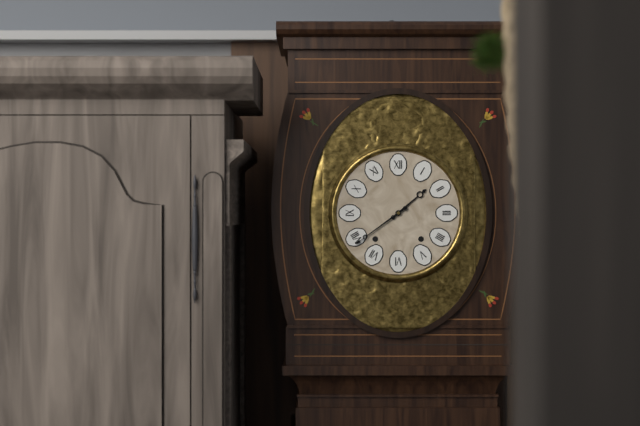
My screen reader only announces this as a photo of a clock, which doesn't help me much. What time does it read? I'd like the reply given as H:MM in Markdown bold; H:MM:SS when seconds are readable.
**1:39**
